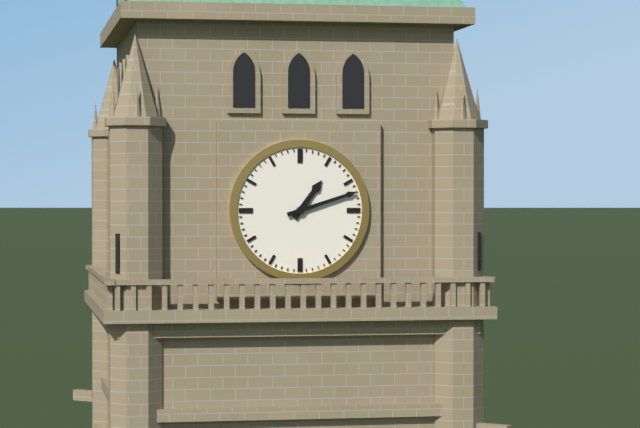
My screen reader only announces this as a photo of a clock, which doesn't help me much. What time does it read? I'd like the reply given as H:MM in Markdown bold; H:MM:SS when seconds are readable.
**1:12**
